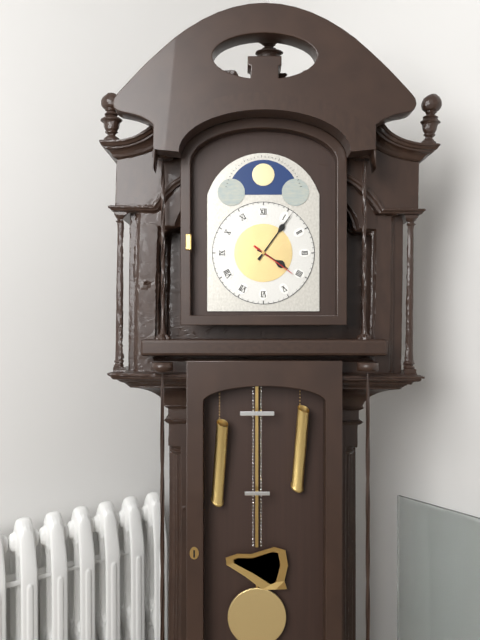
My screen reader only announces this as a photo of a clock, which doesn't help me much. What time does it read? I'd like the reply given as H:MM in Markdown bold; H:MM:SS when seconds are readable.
**4:06**
